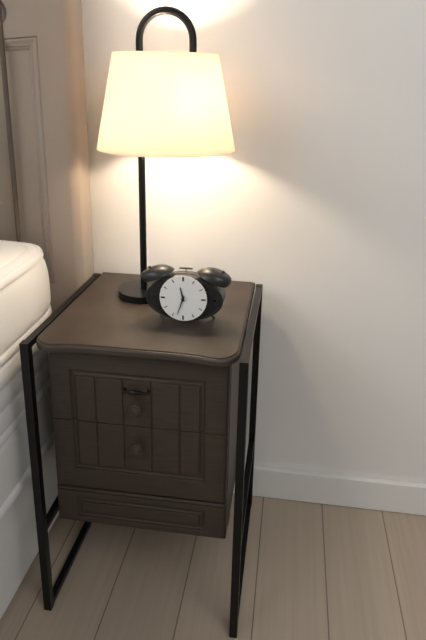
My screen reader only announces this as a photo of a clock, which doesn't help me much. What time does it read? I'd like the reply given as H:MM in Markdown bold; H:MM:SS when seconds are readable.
**11:33**
